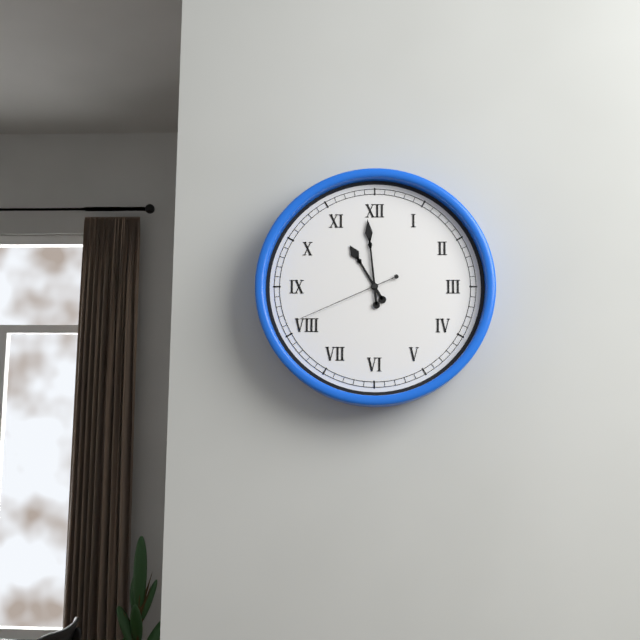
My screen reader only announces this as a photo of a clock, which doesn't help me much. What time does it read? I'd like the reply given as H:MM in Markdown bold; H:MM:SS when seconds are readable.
**10:59:41**
